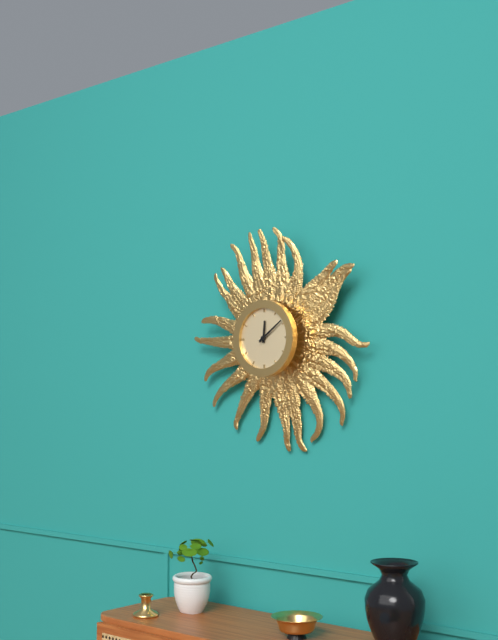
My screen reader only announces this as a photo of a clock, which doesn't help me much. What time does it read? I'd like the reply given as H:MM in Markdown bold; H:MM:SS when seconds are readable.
**12:09**
